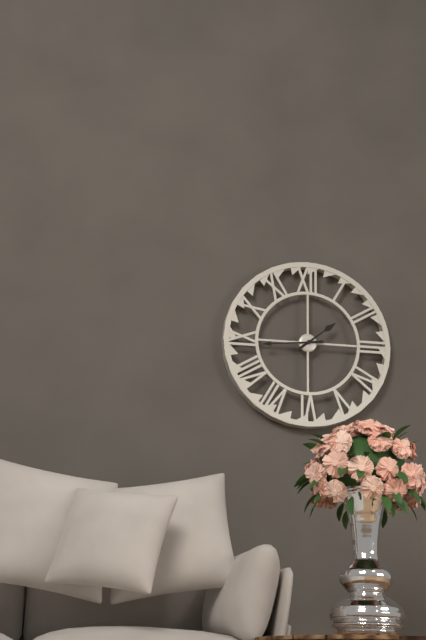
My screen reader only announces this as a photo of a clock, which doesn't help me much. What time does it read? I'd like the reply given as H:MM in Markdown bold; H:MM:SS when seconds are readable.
**1:44**
